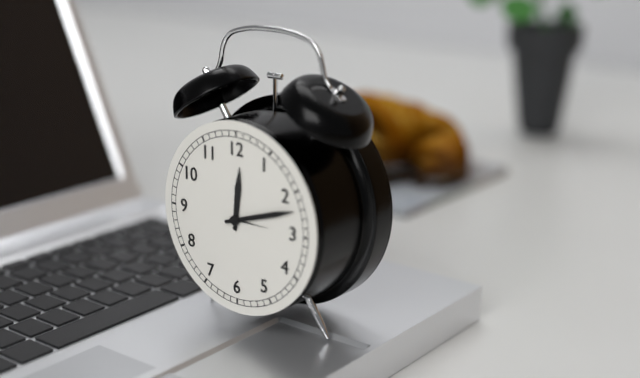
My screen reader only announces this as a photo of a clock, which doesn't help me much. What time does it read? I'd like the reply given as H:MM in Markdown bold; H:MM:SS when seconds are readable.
**12:12**
